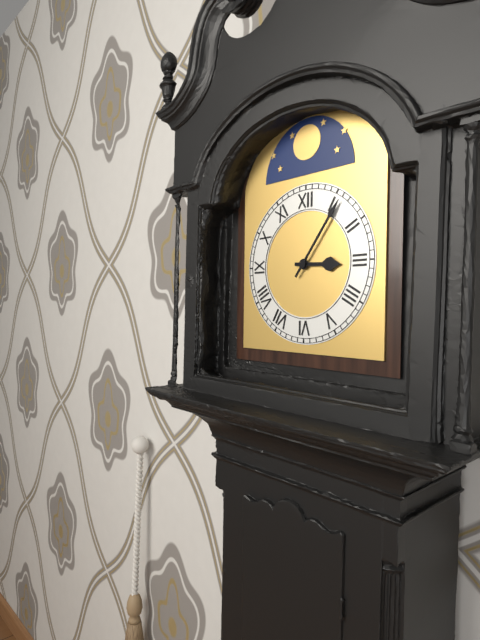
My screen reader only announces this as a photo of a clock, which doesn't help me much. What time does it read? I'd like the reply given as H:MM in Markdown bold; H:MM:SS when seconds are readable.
**3:06**
